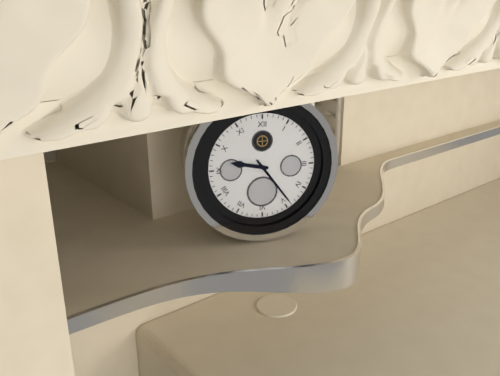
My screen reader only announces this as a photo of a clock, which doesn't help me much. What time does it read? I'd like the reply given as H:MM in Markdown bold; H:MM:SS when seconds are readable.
**9:24**
